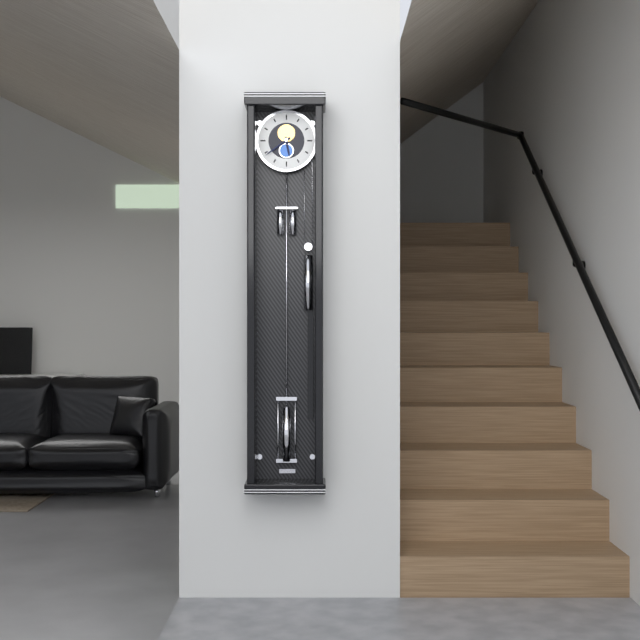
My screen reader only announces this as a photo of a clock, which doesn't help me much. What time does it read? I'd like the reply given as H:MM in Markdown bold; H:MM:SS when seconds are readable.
**5:39**
